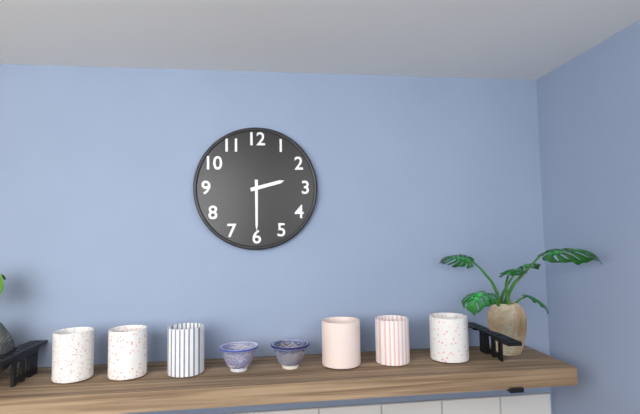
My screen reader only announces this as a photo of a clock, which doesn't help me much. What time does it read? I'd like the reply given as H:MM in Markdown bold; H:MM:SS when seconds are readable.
**2:30**
